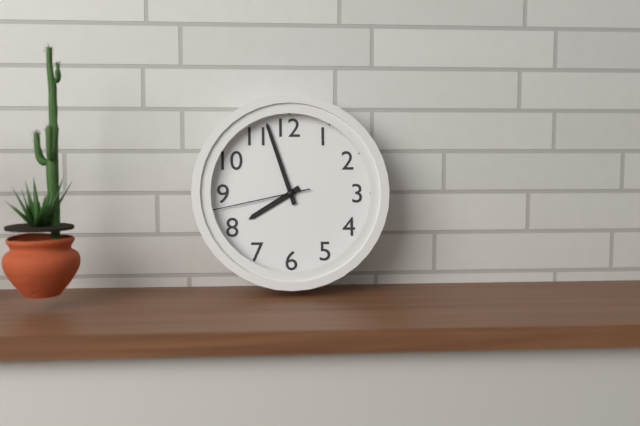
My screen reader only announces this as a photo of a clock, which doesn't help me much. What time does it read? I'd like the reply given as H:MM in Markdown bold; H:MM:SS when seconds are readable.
**7:57:43**
